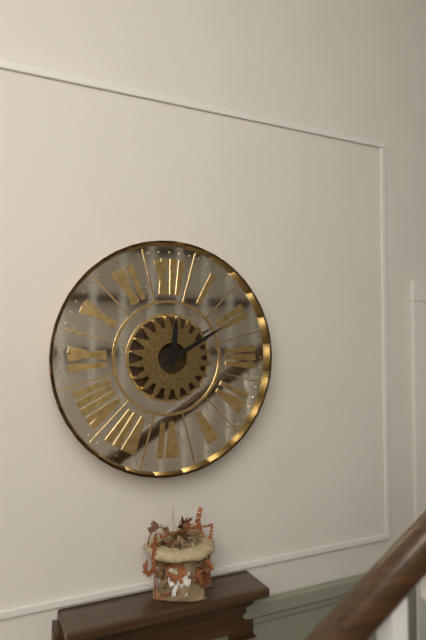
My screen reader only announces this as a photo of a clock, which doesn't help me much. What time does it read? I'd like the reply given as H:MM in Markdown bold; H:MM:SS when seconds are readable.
**12:10**
